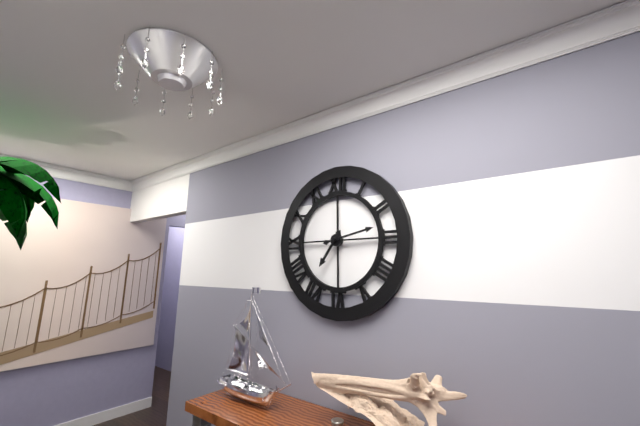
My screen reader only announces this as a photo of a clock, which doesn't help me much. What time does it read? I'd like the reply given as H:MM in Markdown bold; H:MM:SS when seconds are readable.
**7:13**
